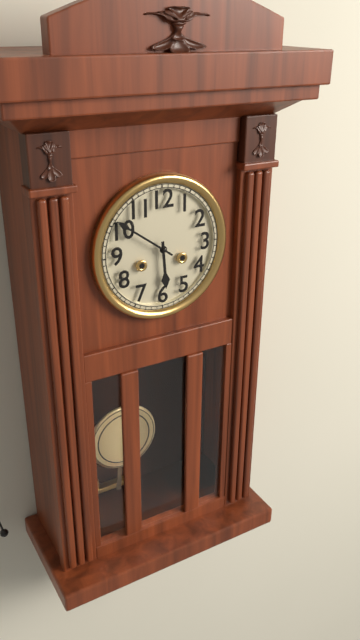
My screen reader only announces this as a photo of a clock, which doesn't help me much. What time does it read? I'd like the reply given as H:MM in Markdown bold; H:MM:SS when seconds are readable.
**5:51**
